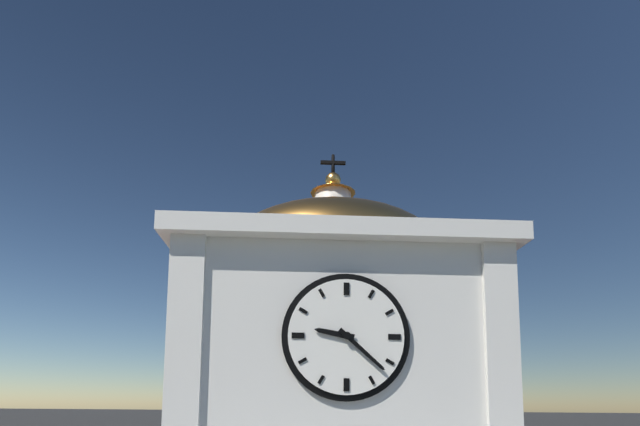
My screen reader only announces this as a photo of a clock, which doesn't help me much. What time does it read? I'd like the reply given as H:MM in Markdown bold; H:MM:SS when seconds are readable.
**9:22**
